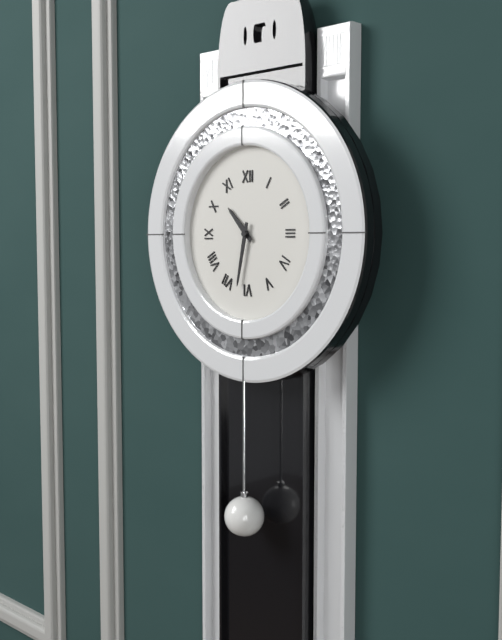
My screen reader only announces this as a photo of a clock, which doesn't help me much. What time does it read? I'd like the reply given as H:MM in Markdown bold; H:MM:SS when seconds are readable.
**10:32**
